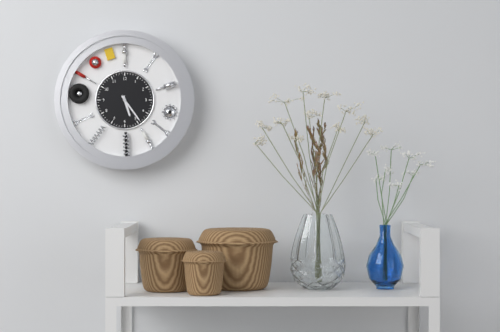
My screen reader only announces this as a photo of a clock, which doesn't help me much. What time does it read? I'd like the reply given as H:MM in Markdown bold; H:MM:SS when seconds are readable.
**5:24**
